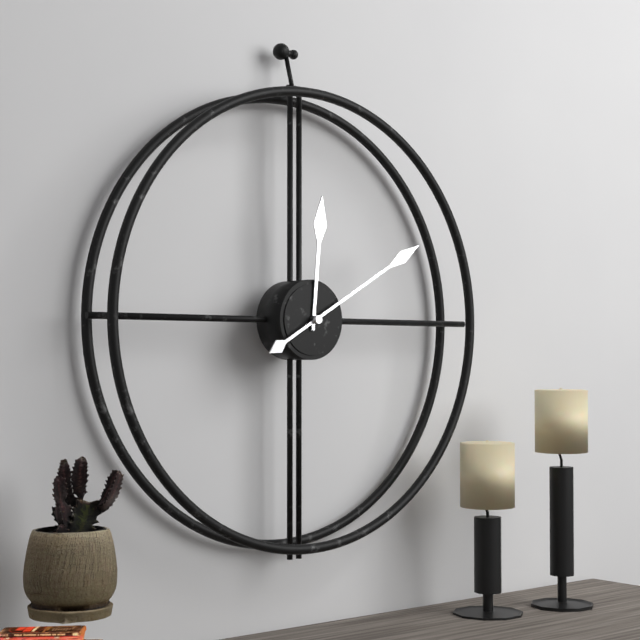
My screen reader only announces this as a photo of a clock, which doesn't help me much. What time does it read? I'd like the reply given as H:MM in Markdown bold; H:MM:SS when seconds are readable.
**12:10**
